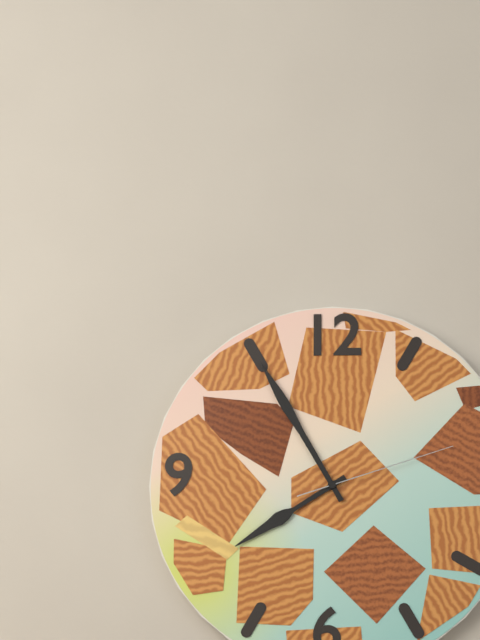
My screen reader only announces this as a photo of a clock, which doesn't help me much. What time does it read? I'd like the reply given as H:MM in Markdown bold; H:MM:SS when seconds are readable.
**7:55:12**
